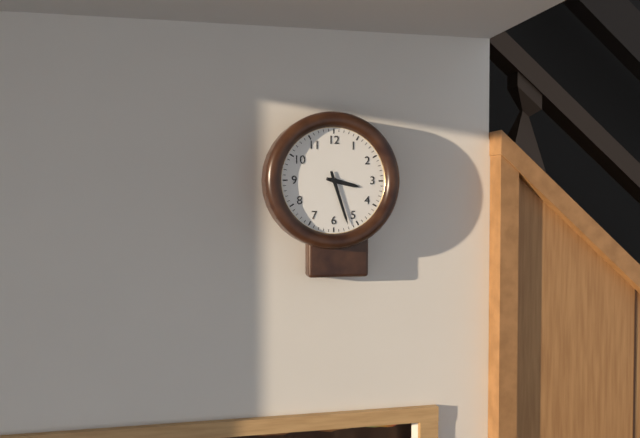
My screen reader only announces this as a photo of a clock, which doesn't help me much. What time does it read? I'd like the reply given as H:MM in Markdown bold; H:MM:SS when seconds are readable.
**3:27**
